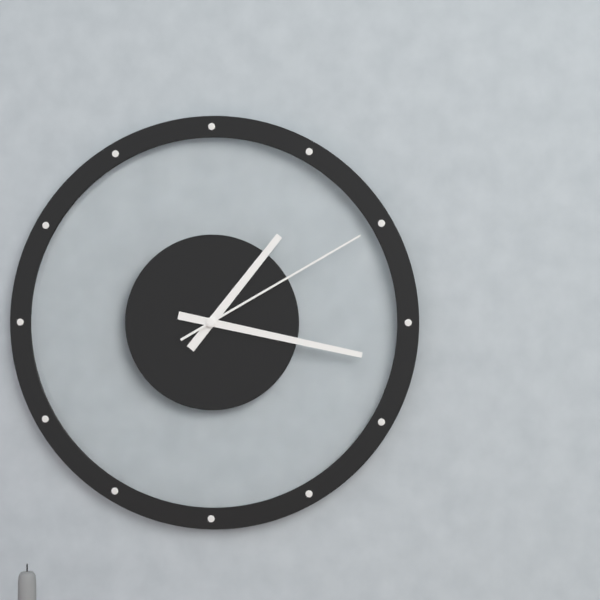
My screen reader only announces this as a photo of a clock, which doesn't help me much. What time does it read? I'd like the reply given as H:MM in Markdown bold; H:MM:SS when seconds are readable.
**1:17:10**
